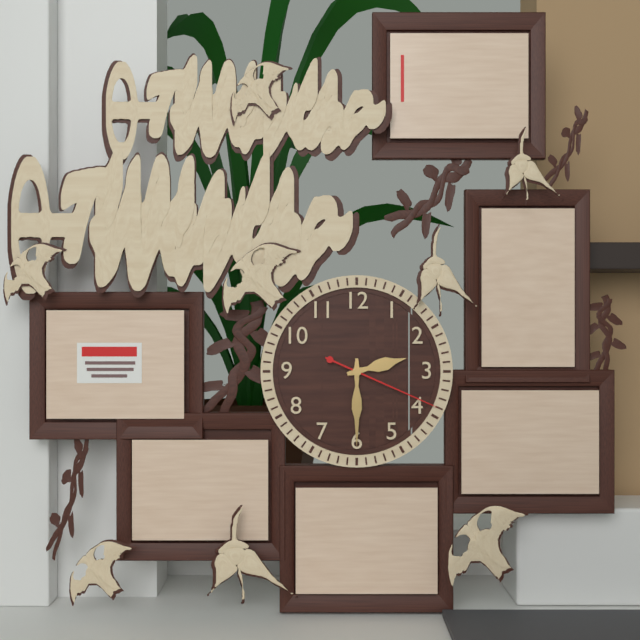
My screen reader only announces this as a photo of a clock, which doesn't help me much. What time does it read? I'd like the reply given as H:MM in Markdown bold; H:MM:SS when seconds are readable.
**2:30:19**
